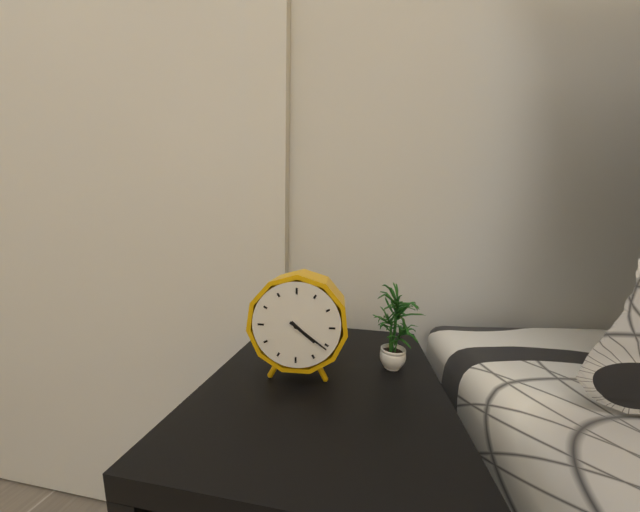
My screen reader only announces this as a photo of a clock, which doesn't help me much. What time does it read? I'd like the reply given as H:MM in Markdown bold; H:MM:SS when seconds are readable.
**4:21**
